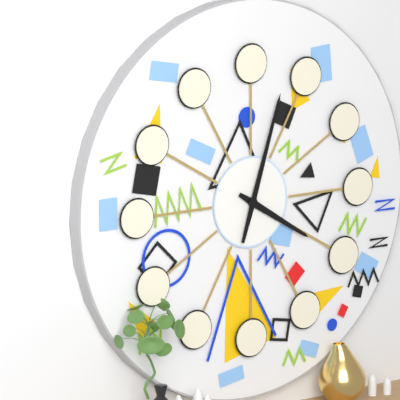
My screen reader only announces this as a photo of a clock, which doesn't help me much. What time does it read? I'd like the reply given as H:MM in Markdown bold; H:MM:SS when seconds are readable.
**4:03**
